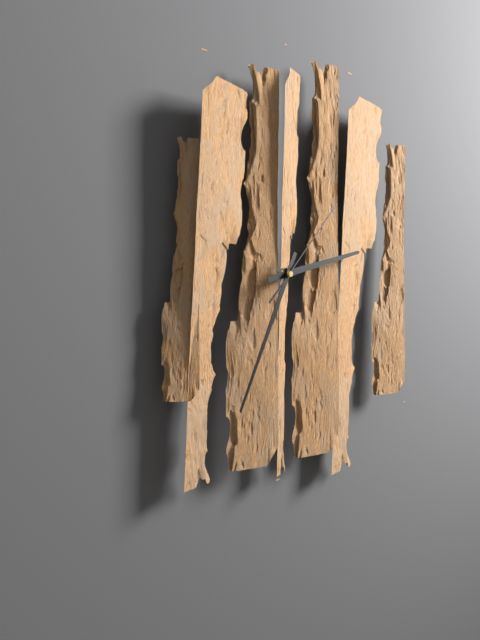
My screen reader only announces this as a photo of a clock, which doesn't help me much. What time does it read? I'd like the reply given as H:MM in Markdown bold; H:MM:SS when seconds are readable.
**2:34:07**
